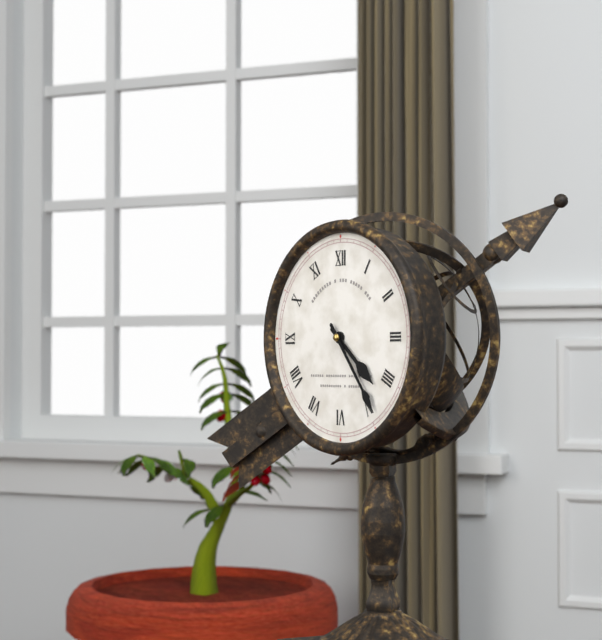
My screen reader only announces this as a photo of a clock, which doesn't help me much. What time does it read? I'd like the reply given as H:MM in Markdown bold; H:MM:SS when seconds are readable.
**4:24**
